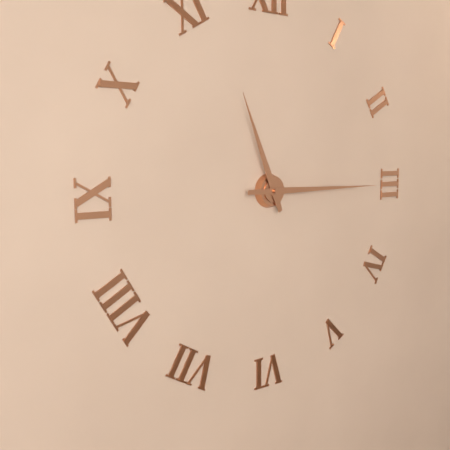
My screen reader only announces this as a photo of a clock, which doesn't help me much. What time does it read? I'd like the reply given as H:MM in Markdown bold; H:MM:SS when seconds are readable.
**11:15**
